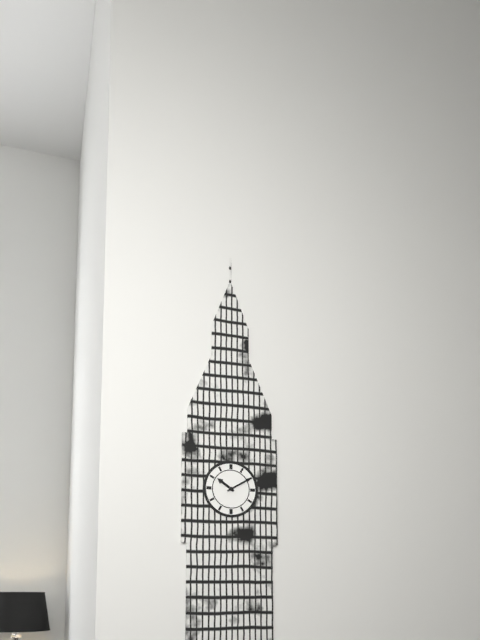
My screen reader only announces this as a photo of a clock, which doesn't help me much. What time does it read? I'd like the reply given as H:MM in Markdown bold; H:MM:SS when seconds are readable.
**10:10**
